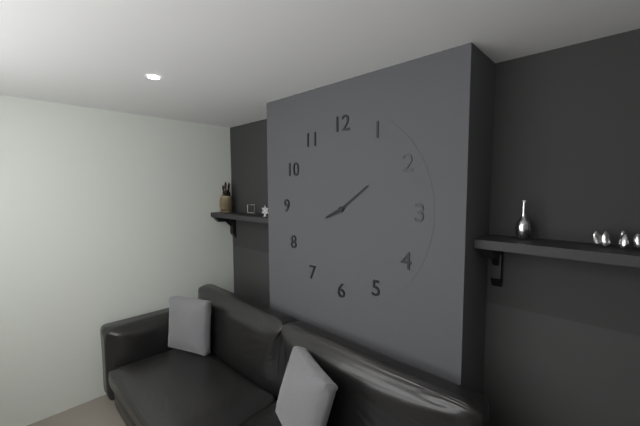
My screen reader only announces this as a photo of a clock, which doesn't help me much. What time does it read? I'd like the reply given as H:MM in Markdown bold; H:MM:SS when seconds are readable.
**8:09**
